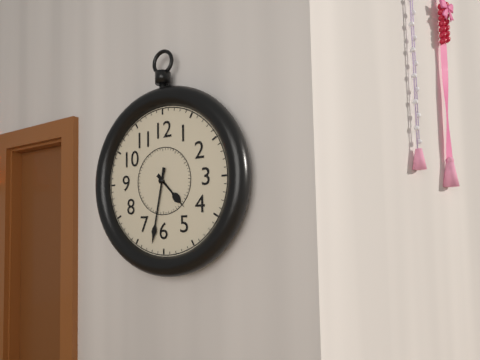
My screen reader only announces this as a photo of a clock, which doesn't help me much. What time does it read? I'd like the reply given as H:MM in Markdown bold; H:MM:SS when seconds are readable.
**4:32**
